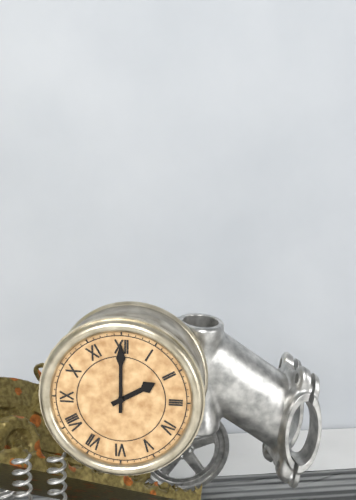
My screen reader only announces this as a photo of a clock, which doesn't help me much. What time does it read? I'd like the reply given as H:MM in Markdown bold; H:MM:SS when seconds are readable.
**2:00**
